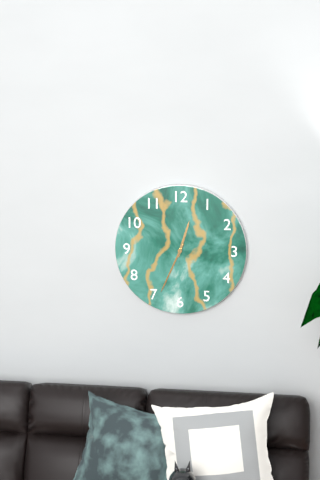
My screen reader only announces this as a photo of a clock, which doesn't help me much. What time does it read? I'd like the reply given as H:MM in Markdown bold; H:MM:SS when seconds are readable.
**12:34**
